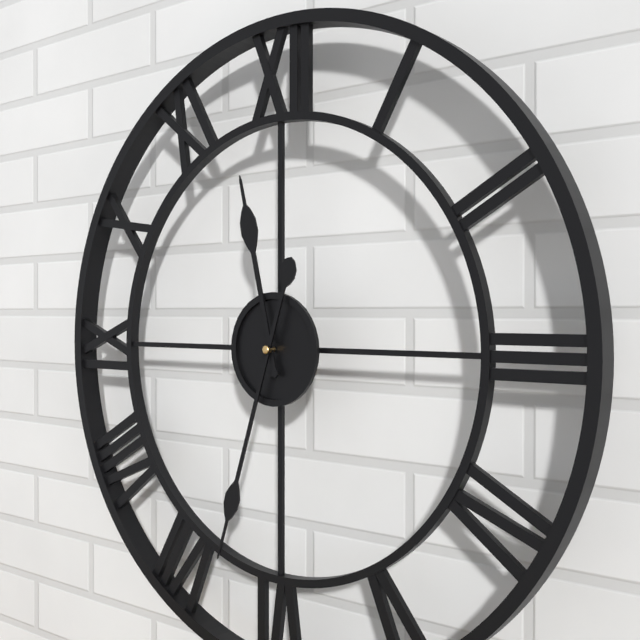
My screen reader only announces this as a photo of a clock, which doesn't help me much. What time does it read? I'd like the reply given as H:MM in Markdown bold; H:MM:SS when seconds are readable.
**11:33**
